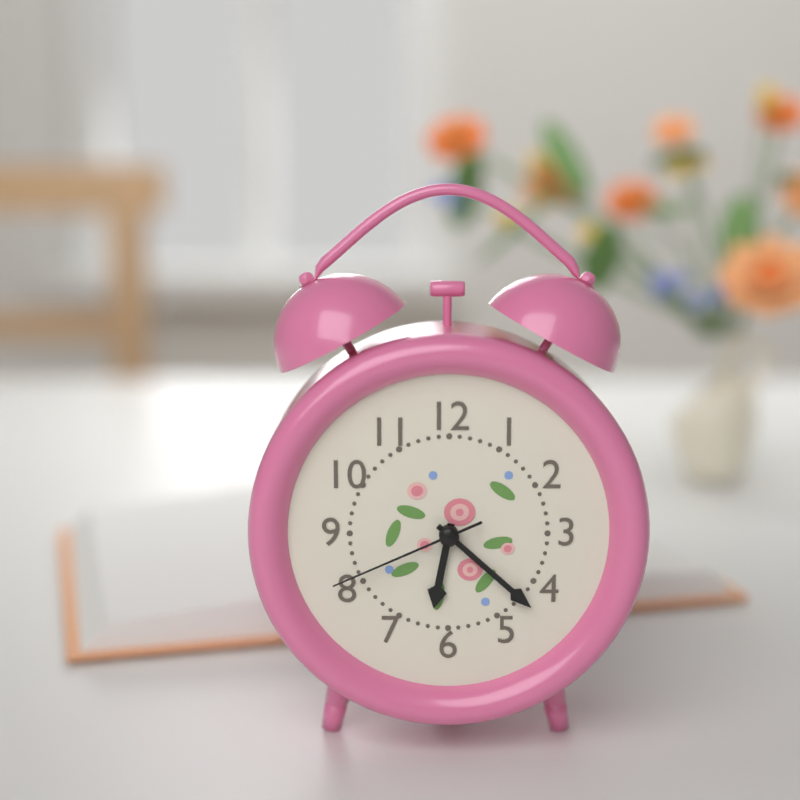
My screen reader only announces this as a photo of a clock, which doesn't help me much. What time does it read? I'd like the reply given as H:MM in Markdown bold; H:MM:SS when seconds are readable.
**6:22:41**
